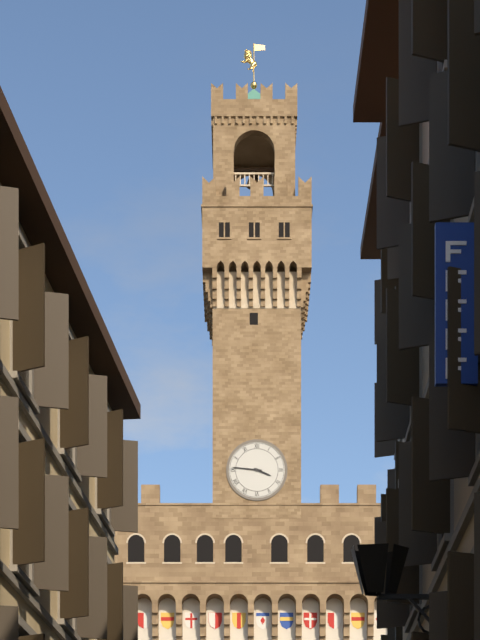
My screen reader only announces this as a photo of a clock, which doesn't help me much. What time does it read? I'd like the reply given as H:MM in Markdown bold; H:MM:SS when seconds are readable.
**3:46**
